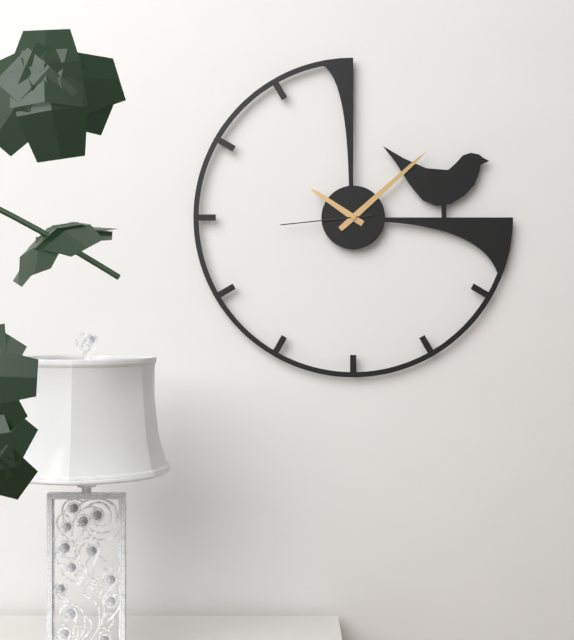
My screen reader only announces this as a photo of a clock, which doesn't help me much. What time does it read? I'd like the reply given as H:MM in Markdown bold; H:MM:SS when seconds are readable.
**10:08:44**
